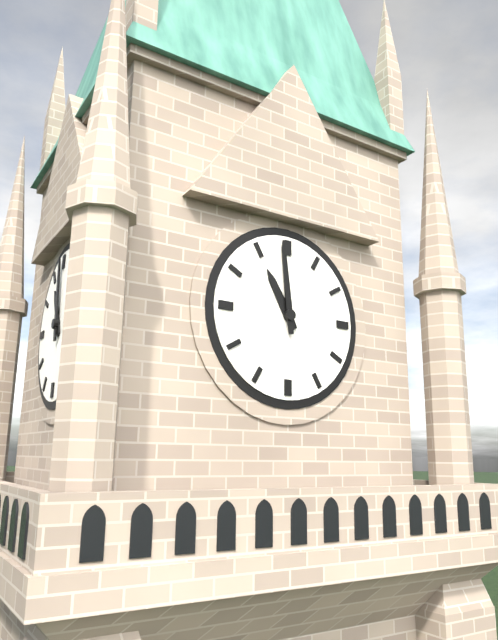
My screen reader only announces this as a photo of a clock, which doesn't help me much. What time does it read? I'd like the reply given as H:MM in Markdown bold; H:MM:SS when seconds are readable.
**10:59**
